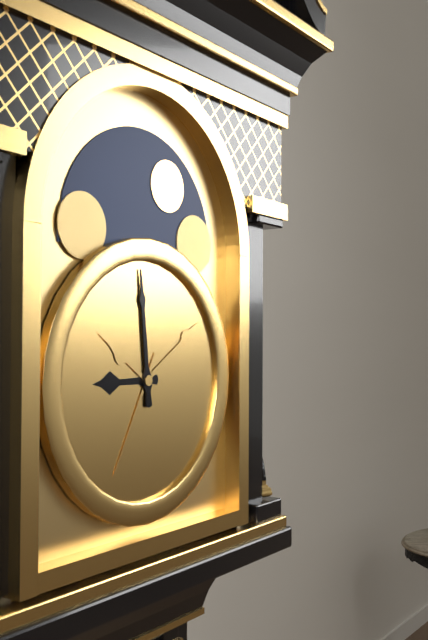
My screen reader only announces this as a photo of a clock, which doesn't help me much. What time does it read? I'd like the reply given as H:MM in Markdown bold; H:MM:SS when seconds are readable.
**8:59**
